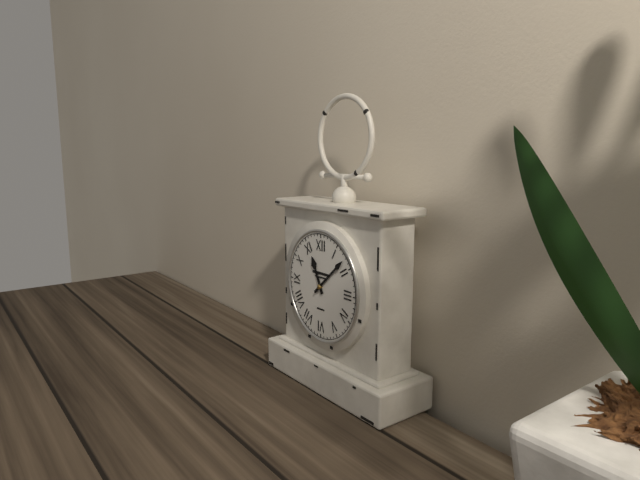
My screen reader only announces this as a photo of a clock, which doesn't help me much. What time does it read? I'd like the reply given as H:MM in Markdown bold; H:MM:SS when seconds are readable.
**11:08**
